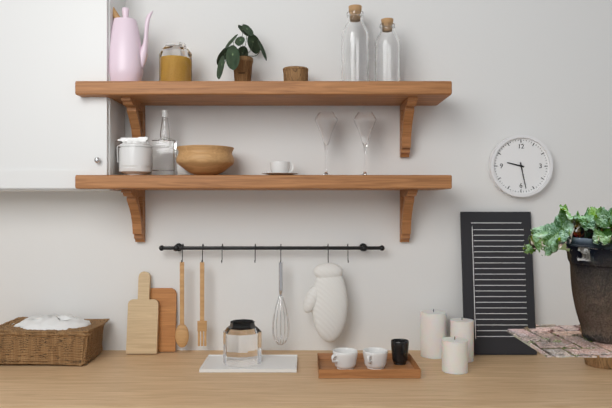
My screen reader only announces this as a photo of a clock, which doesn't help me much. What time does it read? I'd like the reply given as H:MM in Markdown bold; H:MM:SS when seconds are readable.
**9:28**
